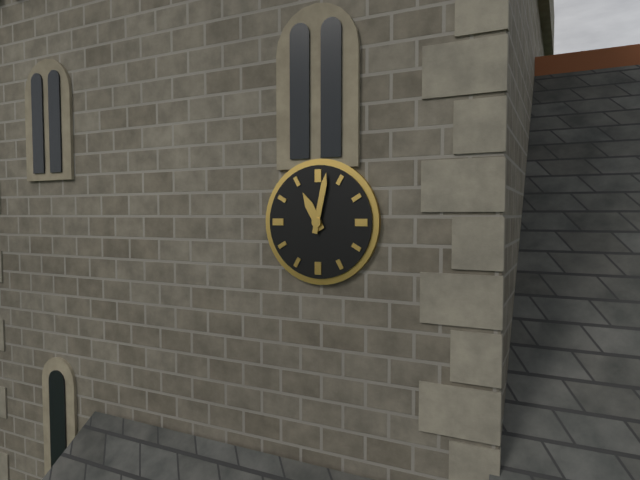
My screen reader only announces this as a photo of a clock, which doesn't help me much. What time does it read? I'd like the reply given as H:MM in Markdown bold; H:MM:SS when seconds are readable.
**11:02**
